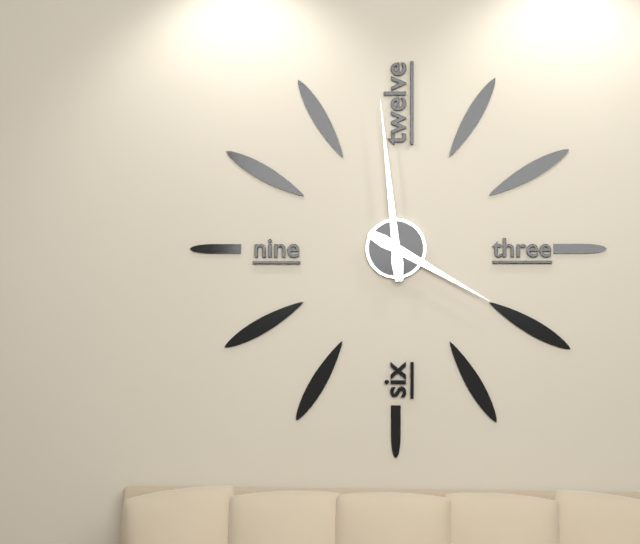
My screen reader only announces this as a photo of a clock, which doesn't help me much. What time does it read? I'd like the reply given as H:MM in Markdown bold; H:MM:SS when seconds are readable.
**3:59**
